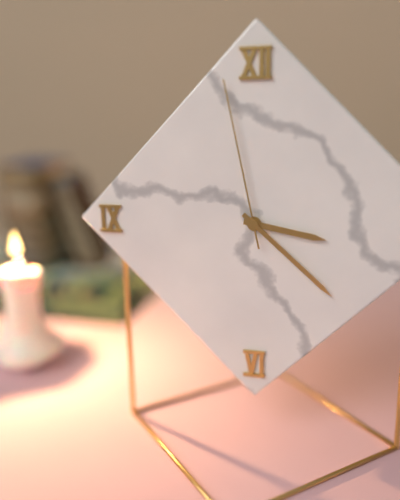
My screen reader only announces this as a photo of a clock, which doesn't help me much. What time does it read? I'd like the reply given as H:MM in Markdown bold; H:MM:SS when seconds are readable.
**3:22:58**
